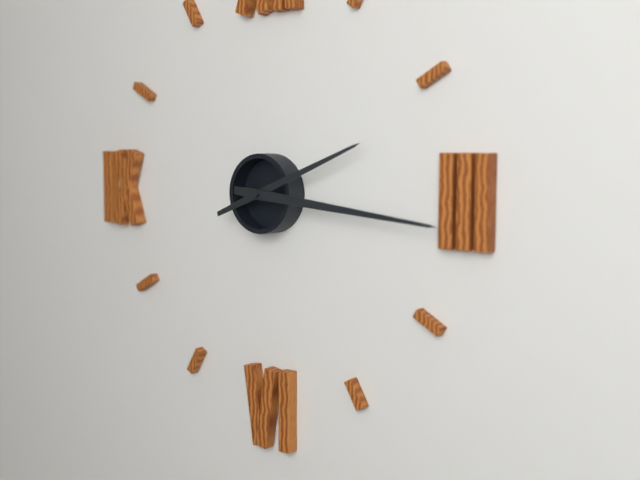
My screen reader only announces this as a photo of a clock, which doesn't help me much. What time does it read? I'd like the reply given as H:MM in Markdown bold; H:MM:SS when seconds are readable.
**2:16**
